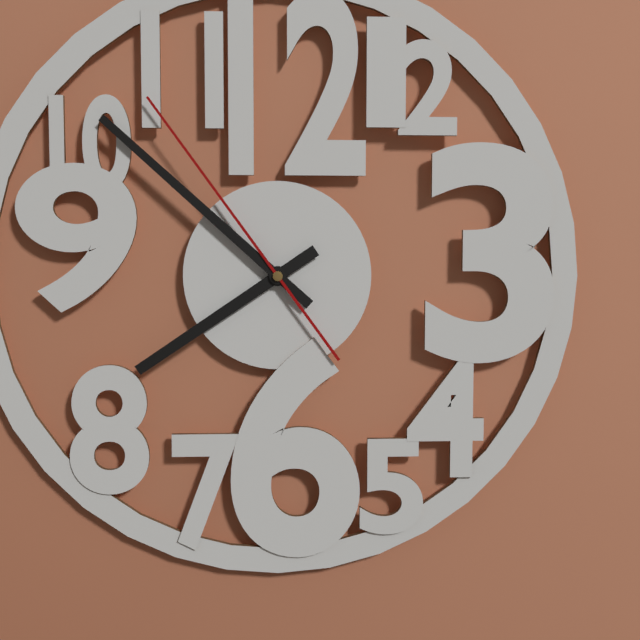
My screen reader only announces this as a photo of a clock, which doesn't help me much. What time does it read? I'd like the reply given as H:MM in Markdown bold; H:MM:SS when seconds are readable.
**7:52:54**
